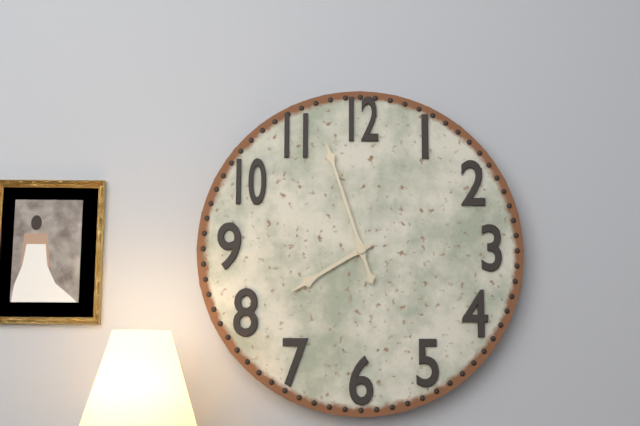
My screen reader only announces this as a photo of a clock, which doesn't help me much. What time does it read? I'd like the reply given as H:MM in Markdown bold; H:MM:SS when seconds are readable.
**7:57**
